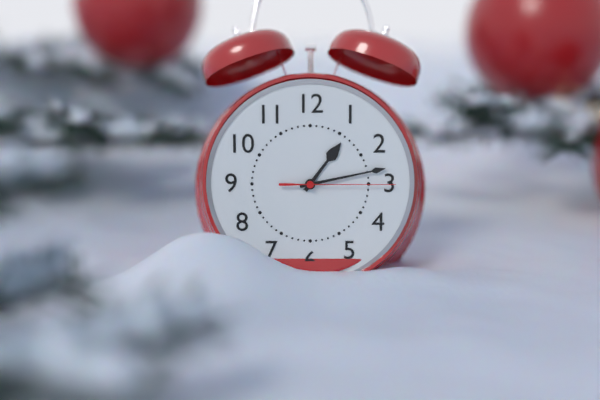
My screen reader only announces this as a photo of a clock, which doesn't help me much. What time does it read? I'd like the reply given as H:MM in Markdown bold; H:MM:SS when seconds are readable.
**1:13:15**
